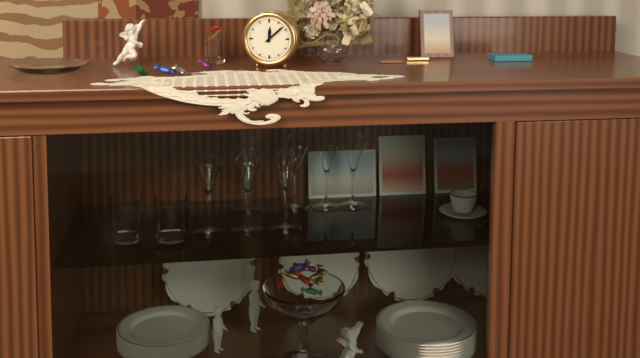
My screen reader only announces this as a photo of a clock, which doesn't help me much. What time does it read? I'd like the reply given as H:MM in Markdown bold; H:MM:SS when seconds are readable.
**12:08**
